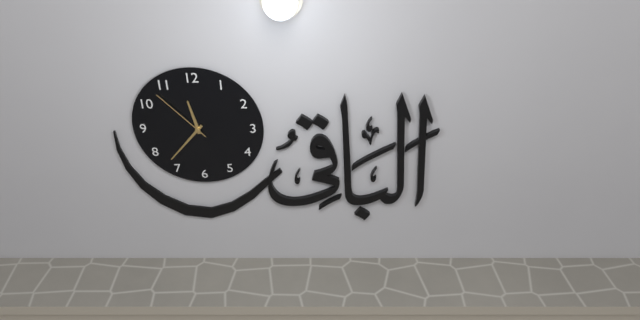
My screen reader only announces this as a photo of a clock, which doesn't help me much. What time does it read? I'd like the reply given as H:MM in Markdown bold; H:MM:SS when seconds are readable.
**11:37:53**
